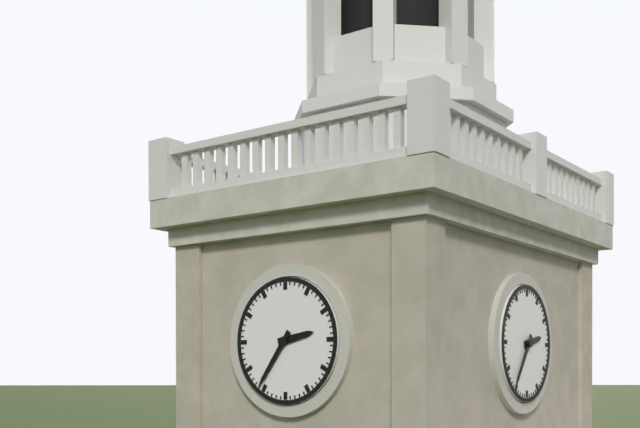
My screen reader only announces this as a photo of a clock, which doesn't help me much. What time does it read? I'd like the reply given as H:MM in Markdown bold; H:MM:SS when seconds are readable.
**2:36**
